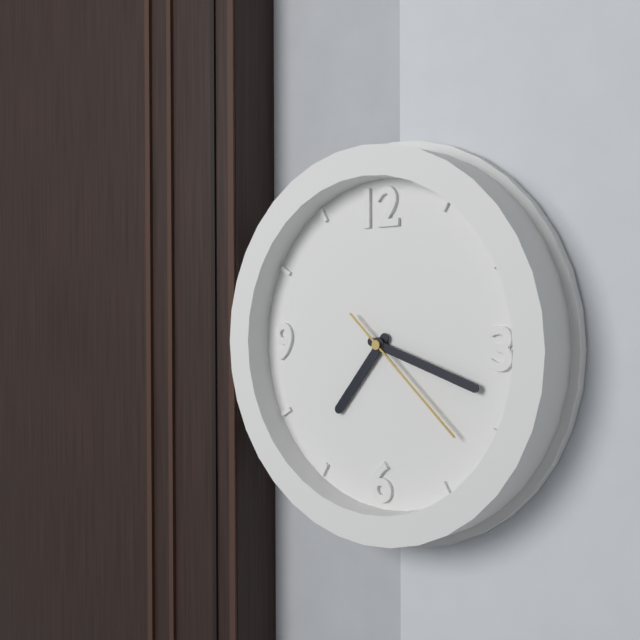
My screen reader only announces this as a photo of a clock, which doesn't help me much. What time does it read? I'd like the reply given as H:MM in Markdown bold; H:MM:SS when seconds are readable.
**7:18:22**
